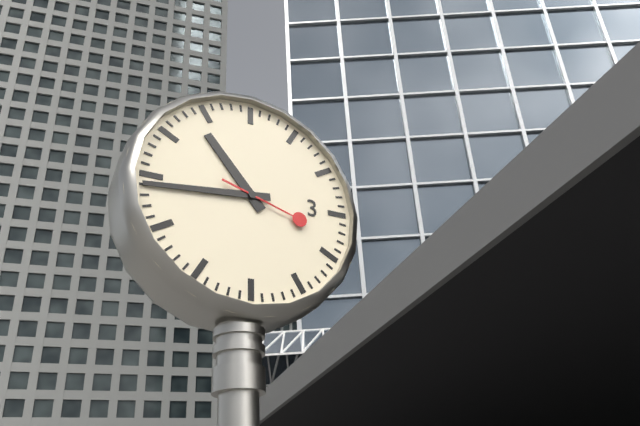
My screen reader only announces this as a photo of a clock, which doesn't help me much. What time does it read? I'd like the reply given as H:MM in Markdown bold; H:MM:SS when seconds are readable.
**10:44:18**
